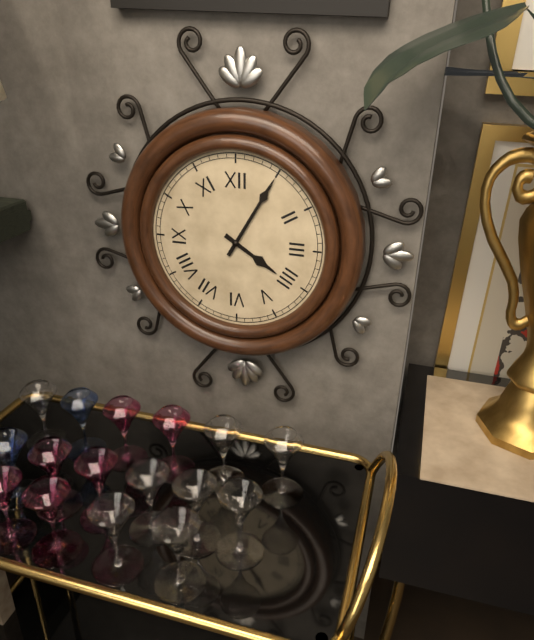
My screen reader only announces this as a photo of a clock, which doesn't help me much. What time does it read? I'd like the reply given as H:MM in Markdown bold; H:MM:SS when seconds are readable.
**4:05**
